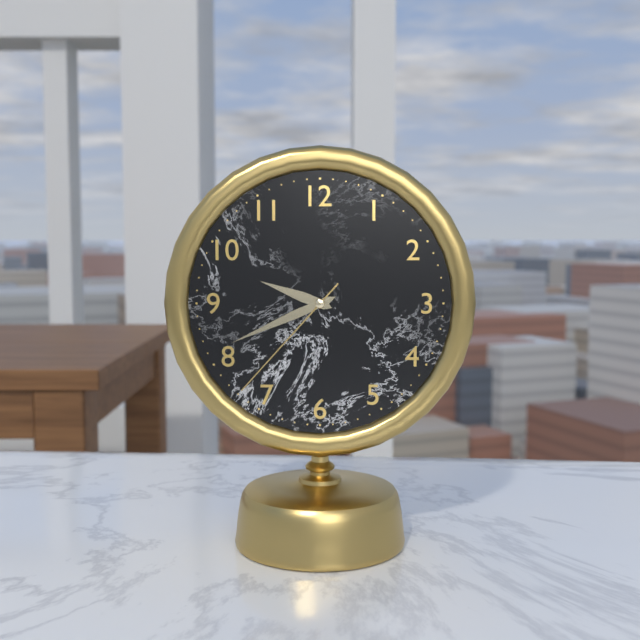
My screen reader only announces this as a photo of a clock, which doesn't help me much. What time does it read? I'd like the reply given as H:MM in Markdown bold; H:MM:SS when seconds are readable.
**9:41:37**
